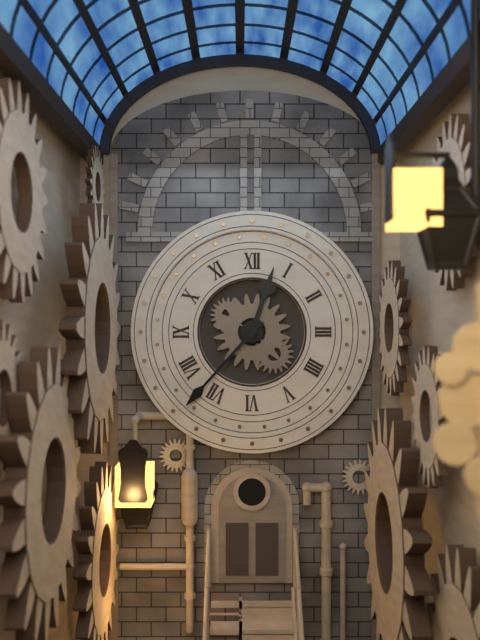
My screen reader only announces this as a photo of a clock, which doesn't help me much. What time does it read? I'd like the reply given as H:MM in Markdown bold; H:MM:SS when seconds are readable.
**12:37**
